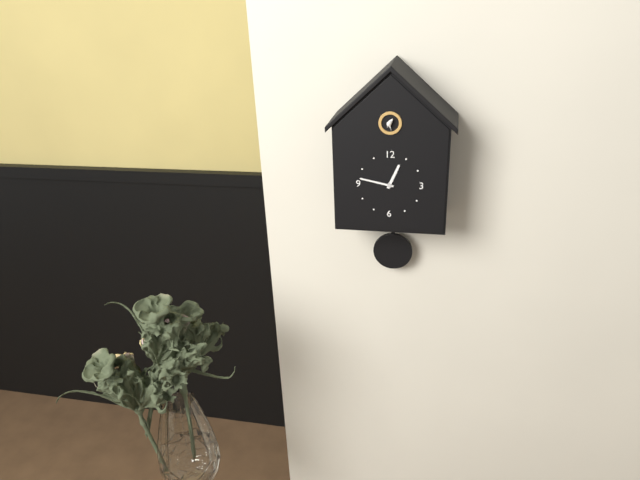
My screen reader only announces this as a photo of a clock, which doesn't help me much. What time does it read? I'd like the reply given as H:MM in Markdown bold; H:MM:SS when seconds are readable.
**12:47**
